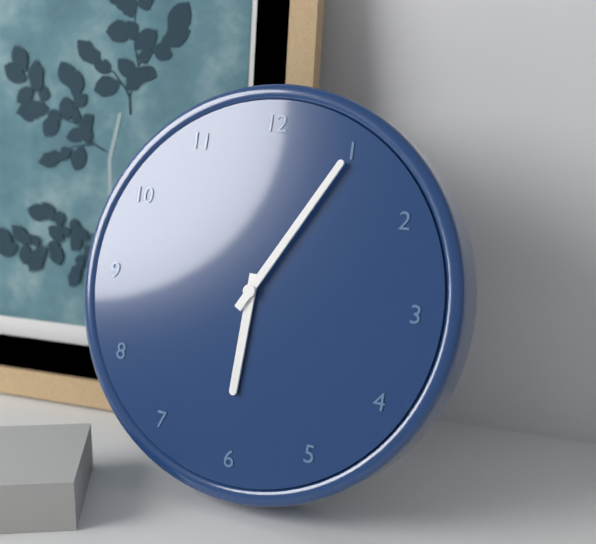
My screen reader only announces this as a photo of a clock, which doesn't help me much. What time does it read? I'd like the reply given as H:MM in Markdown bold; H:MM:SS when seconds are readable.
**6:05**
